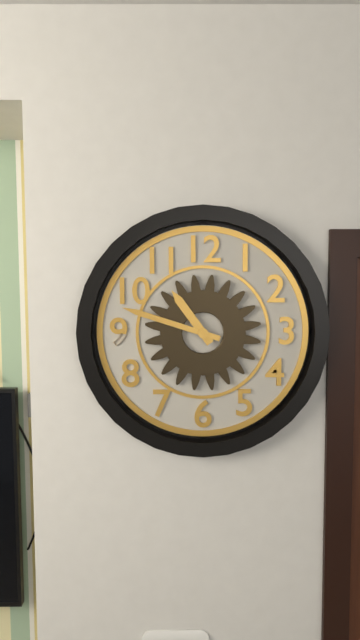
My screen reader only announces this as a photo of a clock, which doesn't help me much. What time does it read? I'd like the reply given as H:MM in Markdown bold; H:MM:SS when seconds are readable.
**10:48**
